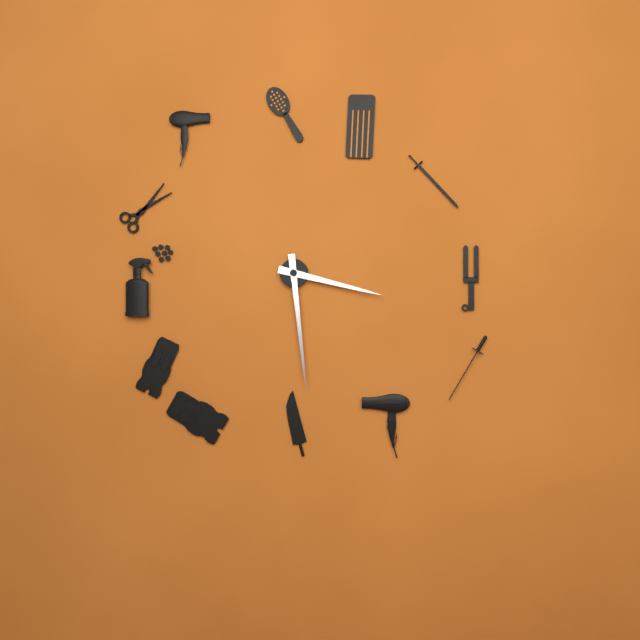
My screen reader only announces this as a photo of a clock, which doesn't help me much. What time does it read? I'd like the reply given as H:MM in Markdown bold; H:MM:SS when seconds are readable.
**3:29**
